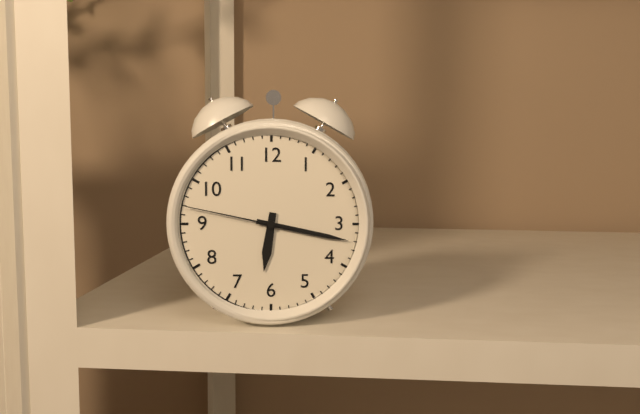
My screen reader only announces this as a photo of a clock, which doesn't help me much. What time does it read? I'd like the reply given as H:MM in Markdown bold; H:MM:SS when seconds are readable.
**6:17:47**
